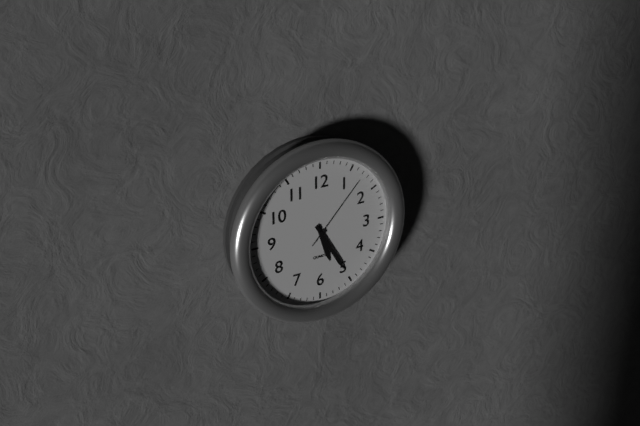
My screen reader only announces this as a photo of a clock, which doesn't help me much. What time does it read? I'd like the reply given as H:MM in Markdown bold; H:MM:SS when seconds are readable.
**5:25:07**
